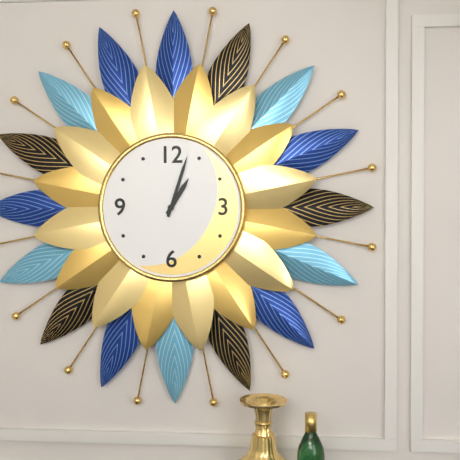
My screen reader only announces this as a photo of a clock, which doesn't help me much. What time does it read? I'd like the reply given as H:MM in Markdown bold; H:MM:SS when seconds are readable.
**1:03**
